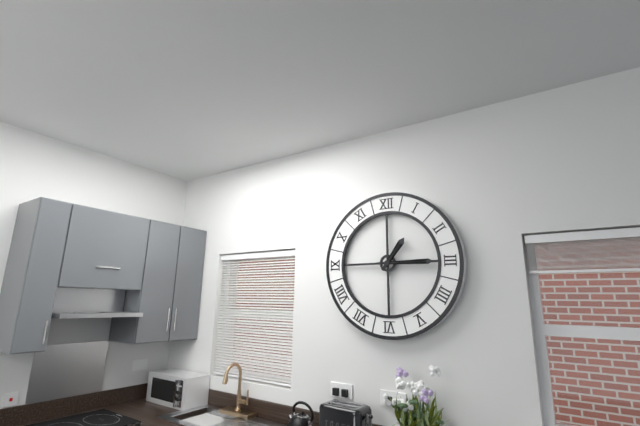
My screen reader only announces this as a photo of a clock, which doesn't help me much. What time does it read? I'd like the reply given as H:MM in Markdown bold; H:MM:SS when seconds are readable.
**1:15**
